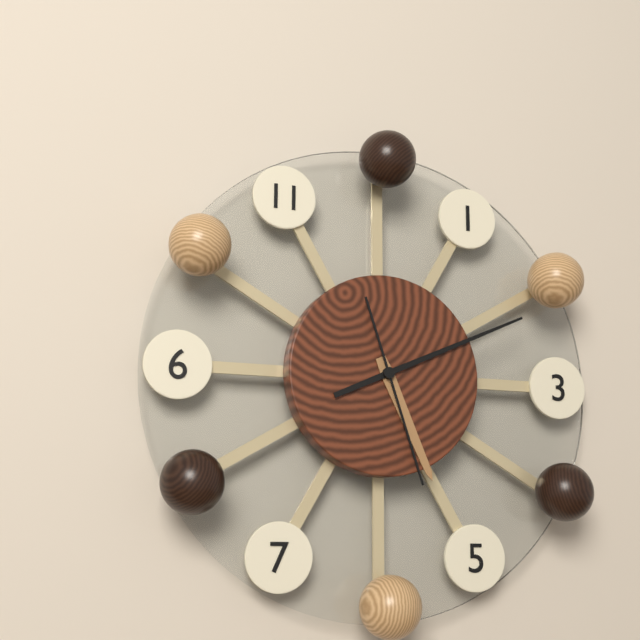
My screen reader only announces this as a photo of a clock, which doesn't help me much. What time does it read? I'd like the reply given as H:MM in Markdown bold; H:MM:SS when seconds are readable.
**5:11:27**
